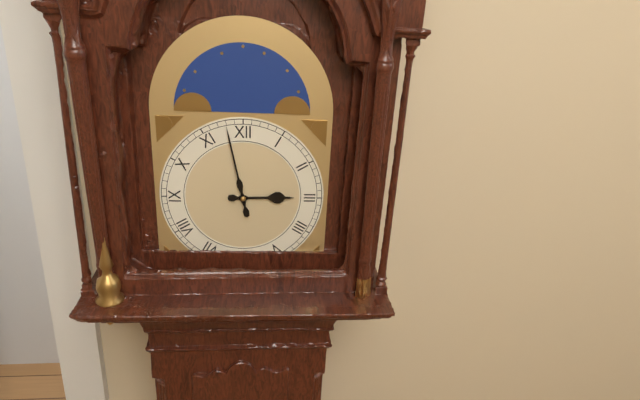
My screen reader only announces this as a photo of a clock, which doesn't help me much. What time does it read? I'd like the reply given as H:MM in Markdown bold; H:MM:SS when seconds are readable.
**2:58**
